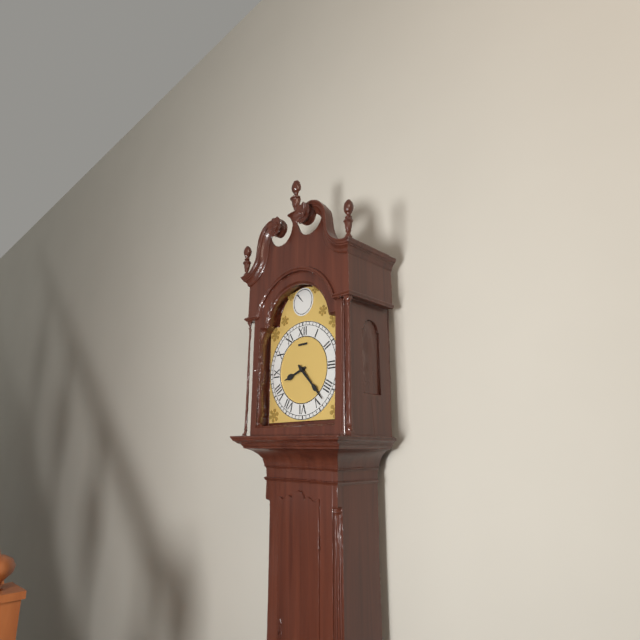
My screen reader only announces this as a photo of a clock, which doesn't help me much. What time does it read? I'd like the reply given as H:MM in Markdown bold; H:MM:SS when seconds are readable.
**8:23**
